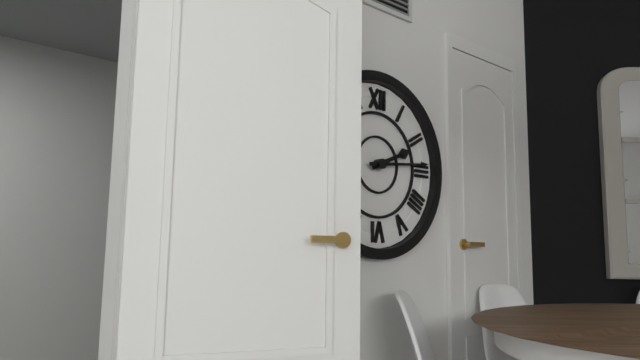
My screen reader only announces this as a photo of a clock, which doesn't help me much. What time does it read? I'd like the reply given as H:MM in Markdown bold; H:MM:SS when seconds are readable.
**2:14**
